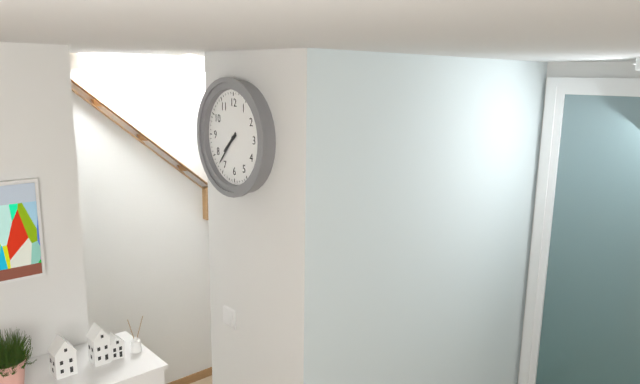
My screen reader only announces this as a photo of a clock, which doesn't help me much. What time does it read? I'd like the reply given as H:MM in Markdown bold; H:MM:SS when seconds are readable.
**7:37**
